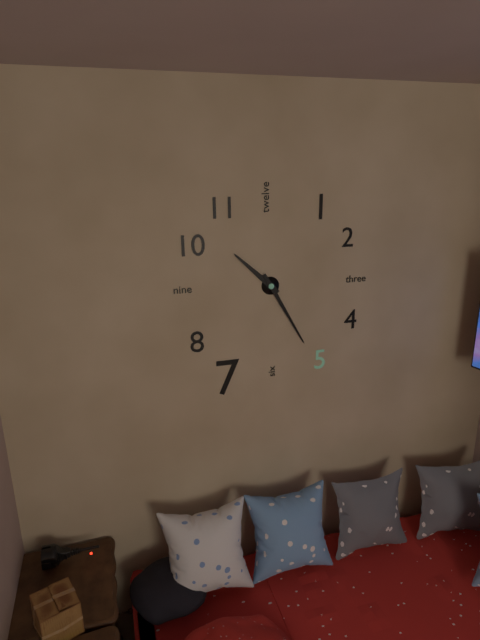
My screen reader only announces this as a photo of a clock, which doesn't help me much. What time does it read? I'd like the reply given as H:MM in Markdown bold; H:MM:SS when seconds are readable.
**10:25**
